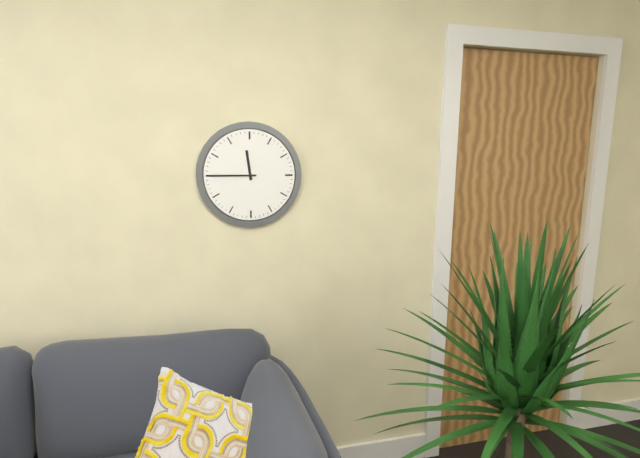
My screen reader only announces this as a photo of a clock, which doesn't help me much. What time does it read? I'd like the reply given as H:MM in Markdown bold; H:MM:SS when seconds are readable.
**11:45**
